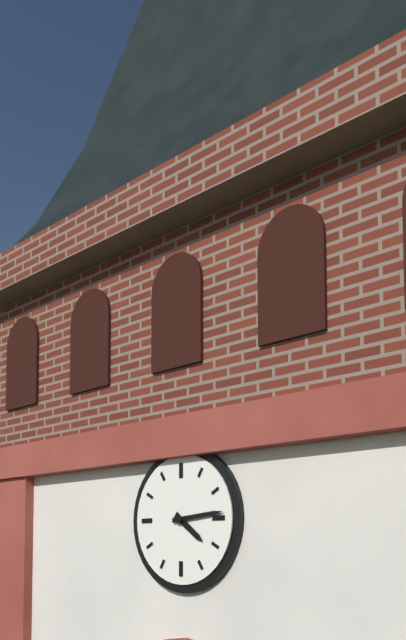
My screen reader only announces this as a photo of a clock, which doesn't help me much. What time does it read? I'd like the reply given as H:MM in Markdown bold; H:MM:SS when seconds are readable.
**4:14**
